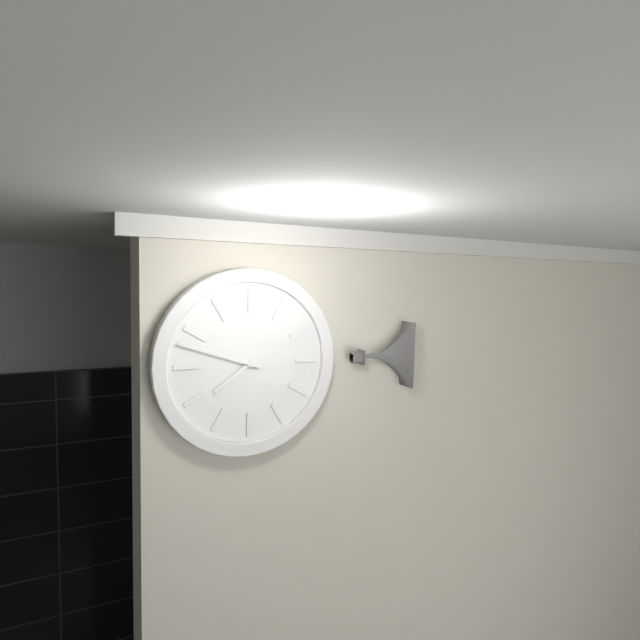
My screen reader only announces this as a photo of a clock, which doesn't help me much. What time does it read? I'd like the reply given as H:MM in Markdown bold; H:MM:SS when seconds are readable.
**7:48**
